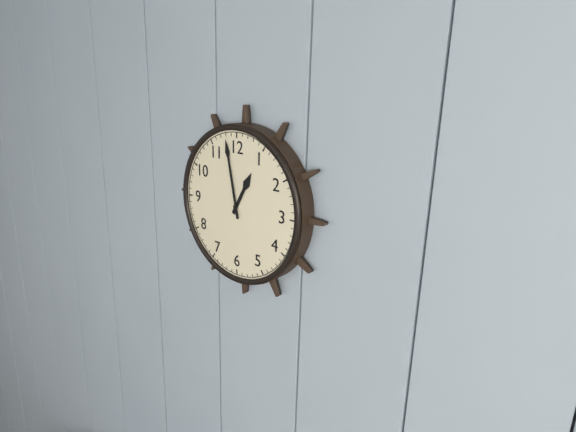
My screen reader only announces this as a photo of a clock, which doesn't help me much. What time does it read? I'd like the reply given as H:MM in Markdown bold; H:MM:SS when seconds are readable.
**12:58**
